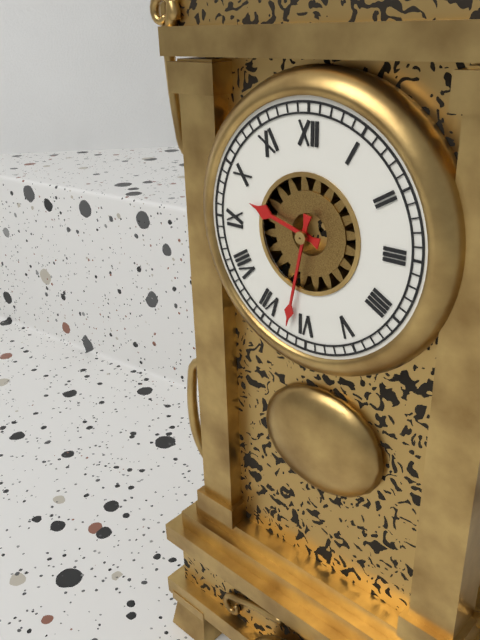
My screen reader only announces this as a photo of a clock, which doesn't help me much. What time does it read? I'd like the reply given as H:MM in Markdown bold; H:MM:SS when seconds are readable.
**9:32**
